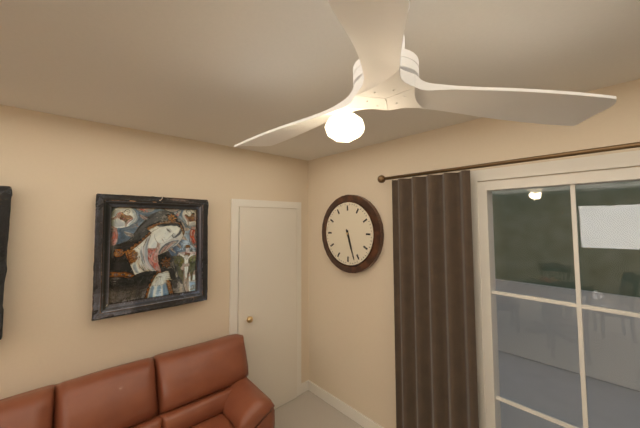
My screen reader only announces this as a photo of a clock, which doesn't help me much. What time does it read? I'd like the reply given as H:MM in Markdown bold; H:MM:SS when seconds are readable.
**5:27**
